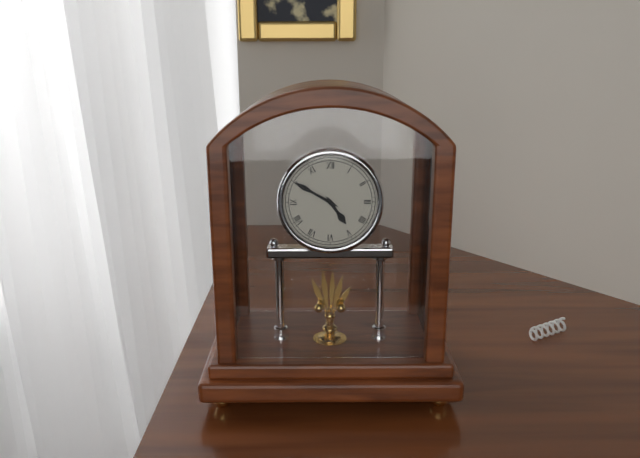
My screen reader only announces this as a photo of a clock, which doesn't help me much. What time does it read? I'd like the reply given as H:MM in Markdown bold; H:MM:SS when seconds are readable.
**4:50**
